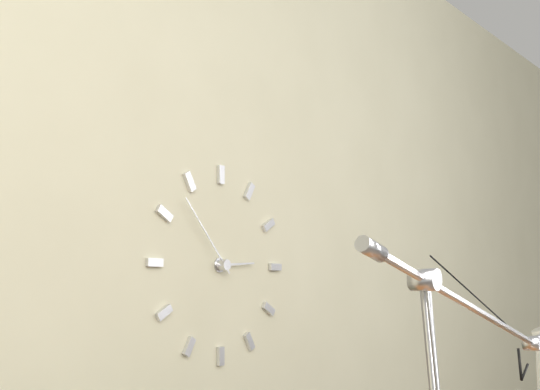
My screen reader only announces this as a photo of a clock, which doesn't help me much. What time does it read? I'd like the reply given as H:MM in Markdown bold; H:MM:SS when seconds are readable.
**2:53**
